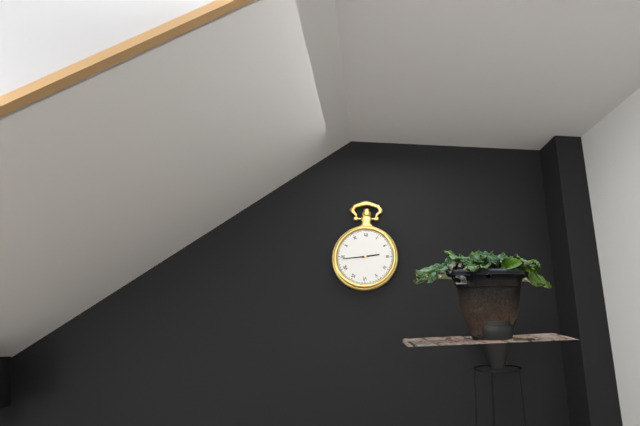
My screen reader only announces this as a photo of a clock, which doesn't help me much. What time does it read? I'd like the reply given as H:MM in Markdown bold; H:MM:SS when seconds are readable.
**2:44**
